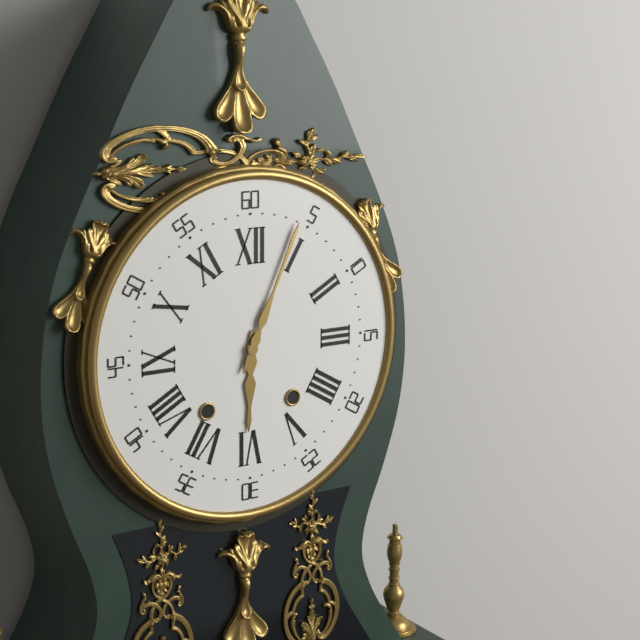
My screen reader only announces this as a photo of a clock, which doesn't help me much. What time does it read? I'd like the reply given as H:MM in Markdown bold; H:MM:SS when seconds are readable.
**6:04**
